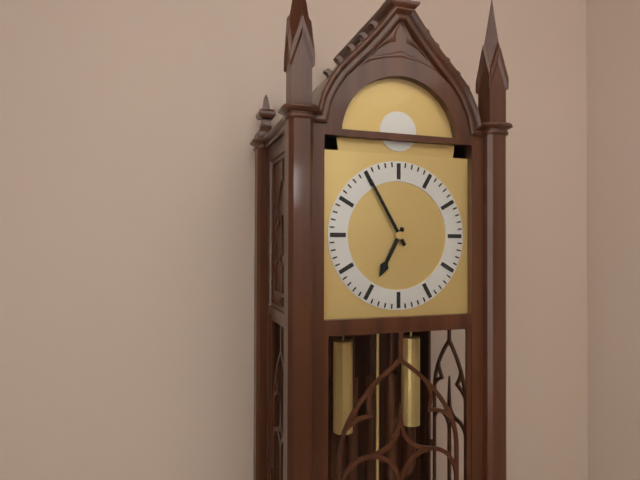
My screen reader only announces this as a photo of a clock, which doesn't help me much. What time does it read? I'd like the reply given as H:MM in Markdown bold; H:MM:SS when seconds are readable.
**6:55**
